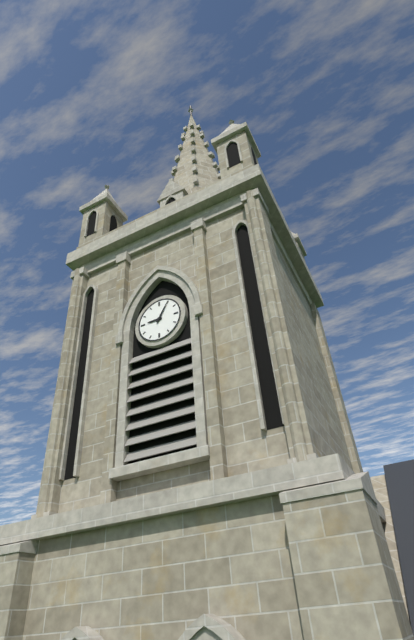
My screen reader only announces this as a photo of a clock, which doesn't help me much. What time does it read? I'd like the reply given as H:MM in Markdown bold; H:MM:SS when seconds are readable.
**9:05**
